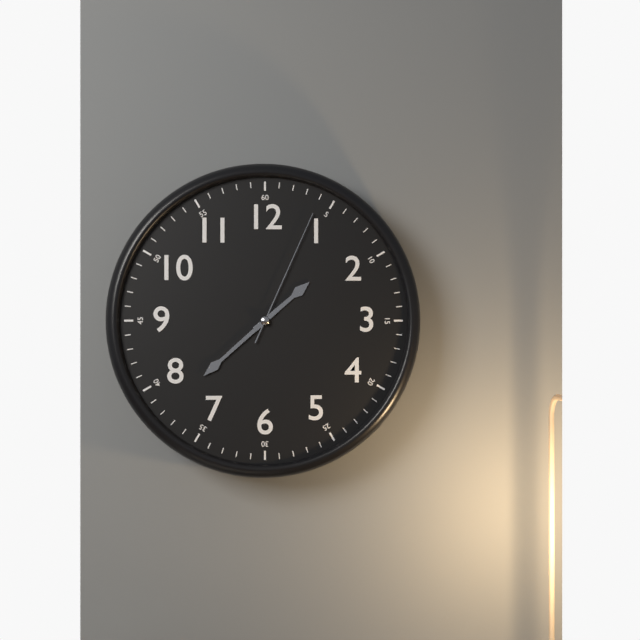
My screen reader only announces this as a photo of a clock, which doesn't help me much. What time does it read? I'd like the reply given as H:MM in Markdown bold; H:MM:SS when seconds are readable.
**1:38:04**
